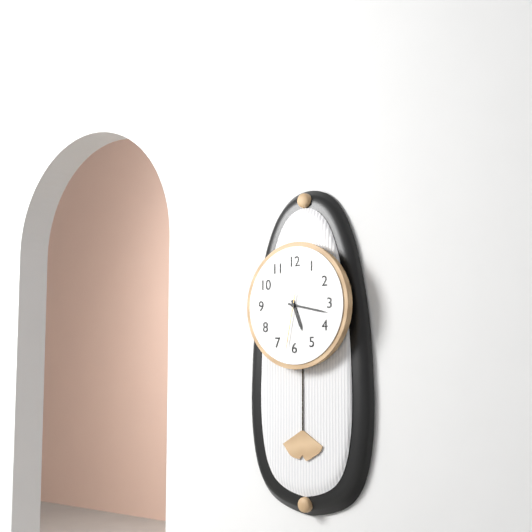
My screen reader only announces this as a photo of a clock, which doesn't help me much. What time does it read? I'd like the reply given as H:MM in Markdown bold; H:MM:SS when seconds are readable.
**5:17:32**
